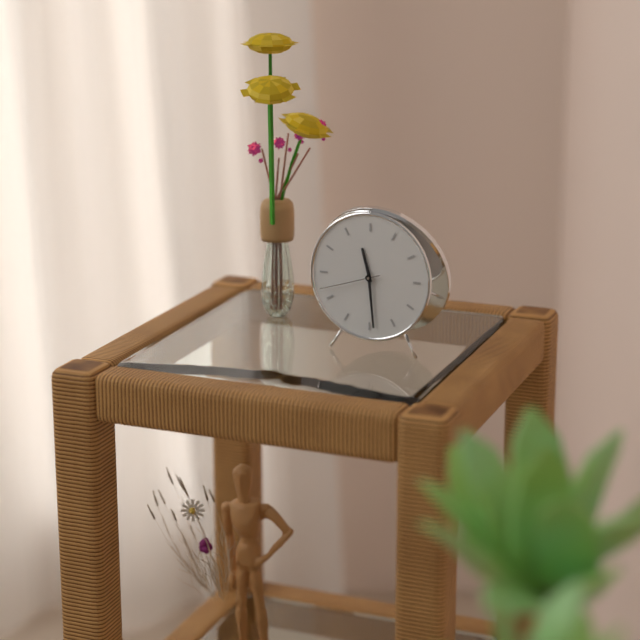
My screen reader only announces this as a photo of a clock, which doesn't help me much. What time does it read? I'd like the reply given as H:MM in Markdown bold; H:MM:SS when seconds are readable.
**11:29:42**
